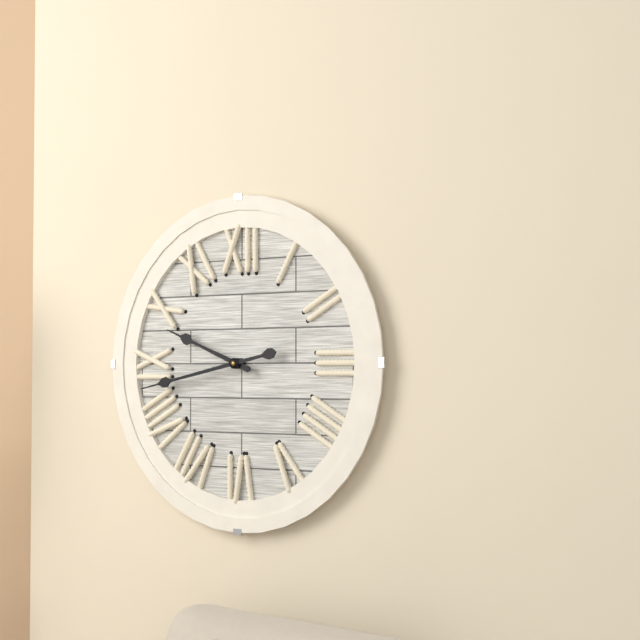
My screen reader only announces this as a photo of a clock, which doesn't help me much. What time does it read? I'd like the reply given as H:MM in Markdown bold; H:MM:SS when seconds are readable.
**9:43**
